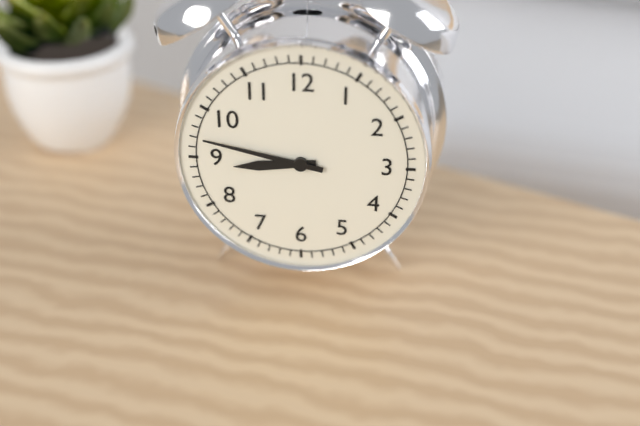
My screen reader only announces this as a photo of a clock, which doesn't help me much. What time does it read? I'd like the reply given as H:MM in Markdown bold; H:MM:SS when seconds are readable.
**8:47**
